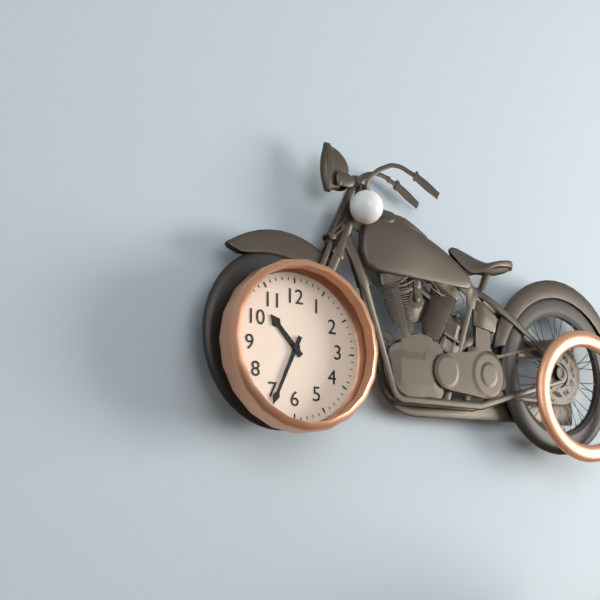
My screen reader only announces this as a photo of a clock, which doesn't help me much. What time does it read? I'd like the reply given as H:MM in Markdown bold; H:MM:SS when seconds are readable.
**10:34**
